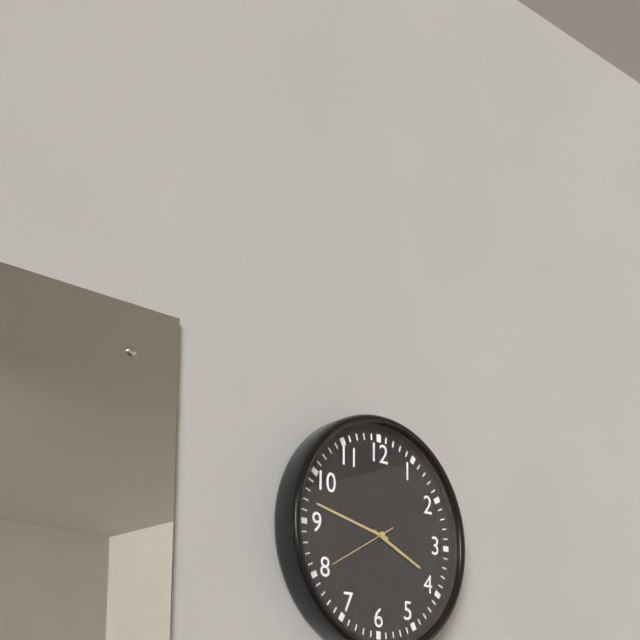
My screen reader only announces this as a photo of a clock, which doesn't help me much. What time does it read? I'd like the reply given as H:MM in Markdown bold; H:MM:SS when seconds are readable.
**3:47:40**
